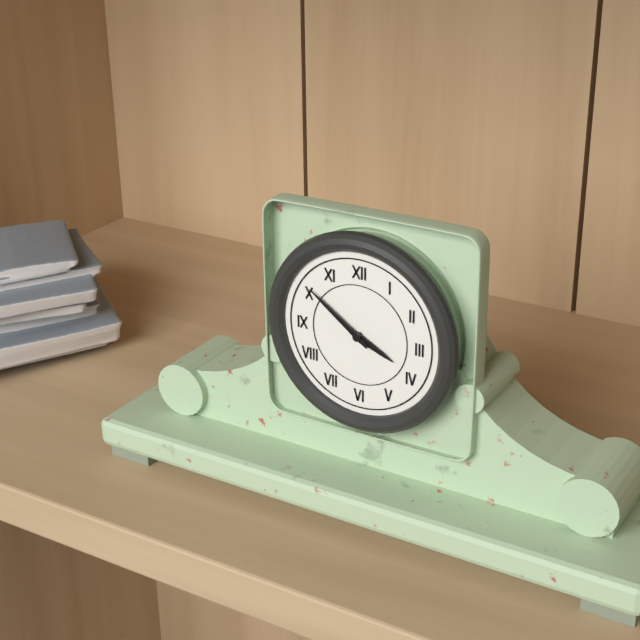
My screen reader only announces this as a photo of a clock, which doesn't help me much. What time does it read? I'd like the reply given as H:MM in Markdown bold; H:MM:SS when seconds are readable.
**3:51**
